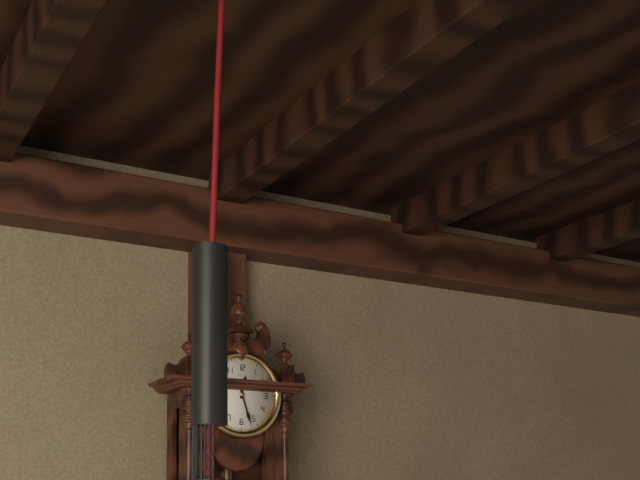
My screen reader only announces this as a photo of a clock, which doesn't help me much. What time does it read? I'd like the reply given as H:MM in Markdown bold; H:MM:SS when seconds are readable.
**12:27**
